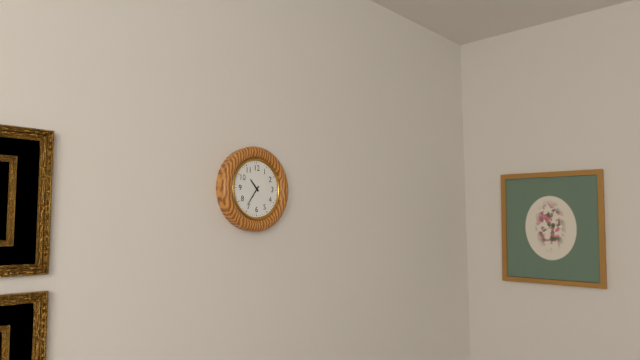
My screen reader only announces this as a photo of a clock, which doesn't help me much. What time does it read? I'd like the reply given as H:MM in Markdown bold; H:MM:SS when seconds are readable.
**10:36**
